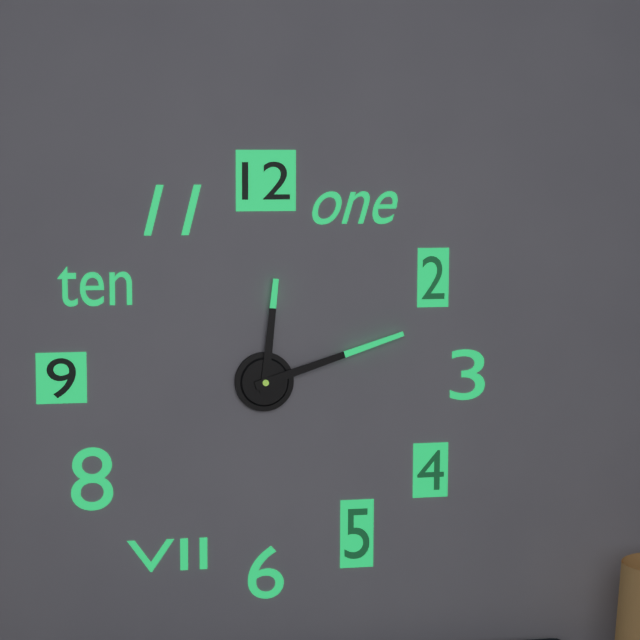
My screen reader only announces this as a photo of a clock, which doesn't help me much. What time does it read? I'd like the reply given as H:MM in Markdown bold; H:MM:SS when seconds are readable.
**12:12**
